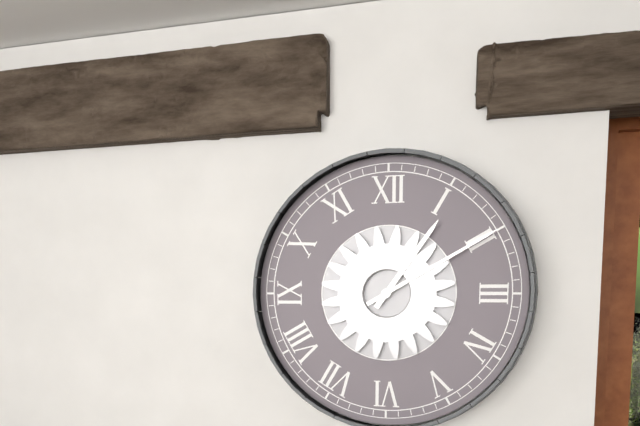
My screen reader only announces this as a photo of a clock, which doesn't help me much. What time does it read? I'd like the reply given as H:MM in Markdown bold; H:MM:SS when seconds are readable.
**1:10**
